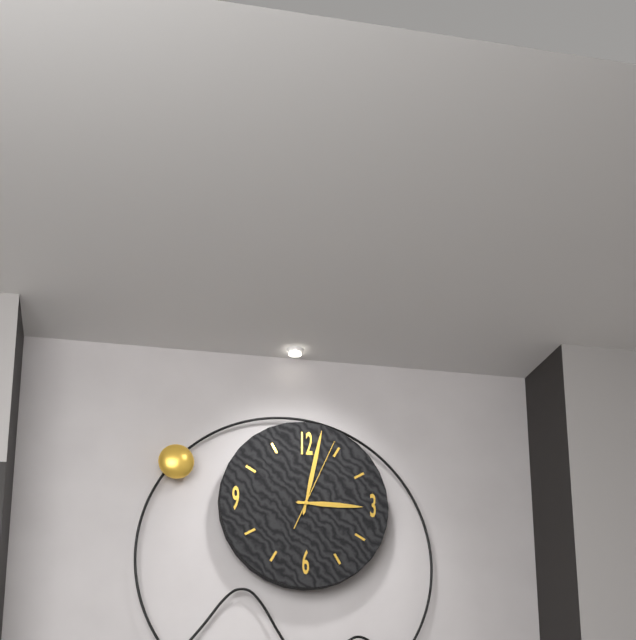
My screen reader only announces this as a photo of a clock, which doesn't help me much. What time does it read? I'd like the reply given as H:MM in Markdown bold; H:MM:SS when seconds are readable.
**3:02:04**
